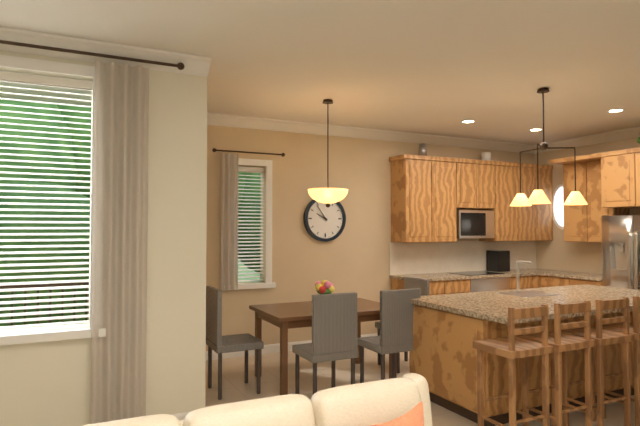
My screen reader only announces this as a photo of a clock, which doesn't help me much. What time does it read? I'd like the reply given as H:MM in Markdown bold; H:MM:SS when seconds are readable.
**9:54**
